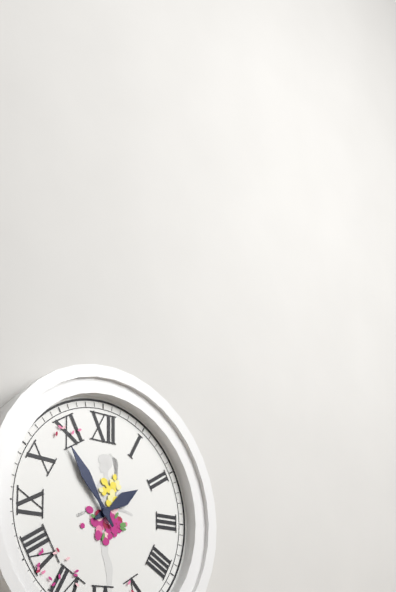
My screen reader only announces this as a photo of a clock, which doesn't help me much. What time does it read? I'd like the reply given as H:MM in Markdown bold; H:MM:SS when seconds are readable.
**1:54**
